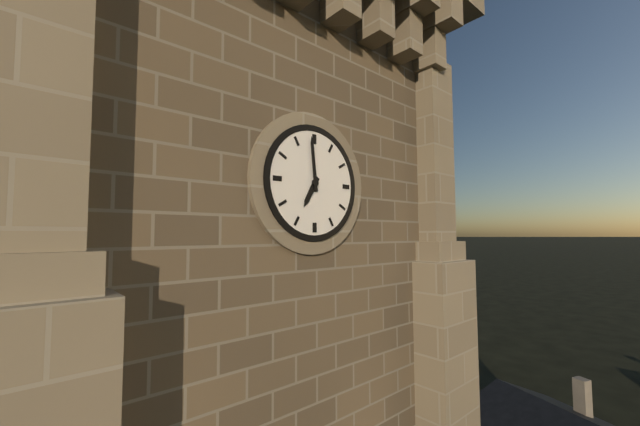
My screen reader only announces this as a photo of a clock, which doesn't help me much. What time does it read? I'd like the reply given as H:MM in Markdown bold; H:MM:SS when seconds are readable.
**6:59**
